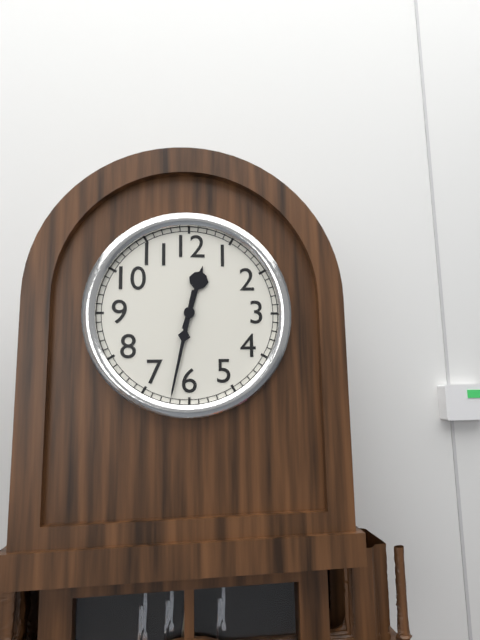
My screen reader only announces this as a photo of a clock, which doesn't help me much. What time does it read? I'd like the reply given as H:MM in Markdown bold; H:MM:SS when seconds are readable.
**12:32**
